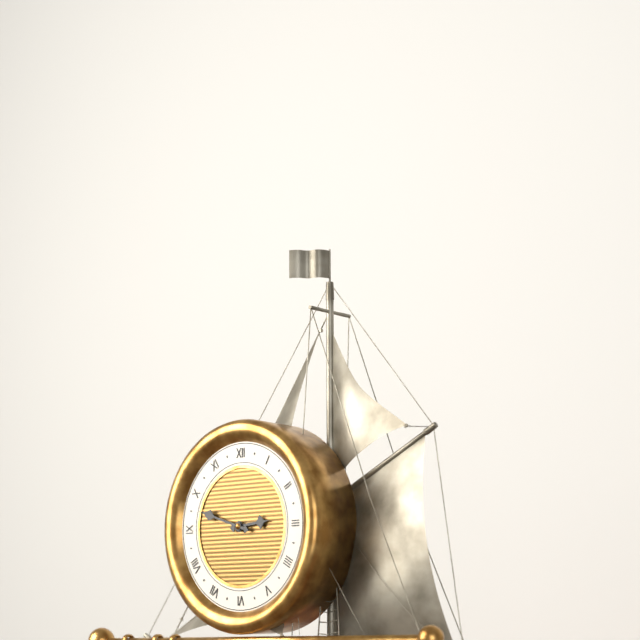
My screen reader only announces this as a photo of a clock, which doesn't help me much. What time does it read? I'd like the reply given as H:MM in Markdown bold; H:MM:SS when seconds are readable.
**2:48**
